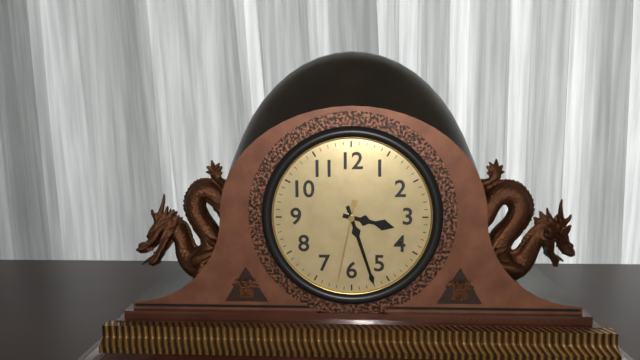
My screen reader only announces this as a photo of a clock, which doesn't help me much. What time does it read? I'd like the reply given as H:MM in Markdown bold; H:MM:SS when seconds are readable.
**3:27:32**
